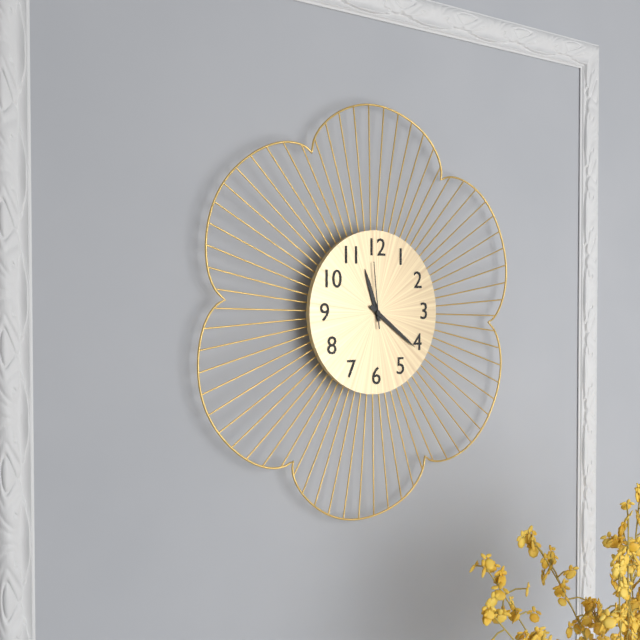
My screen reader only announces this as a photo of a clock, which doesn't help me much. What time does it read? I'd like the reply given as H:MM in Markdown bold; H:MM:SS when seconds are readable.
**11:21:59**
